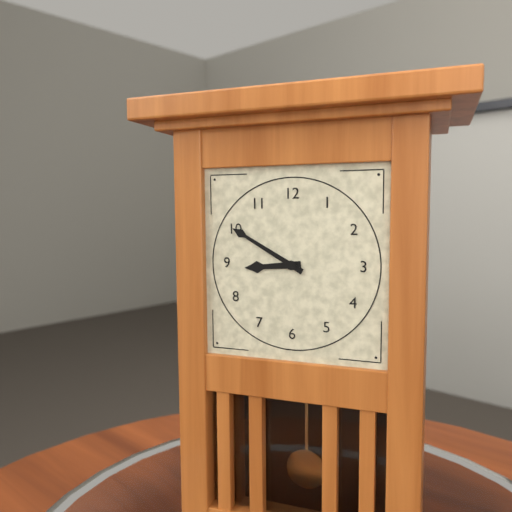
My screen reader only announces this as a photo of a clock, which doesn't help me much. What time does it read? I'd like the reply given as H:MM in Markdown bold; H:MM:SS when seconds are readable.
**8:50**
